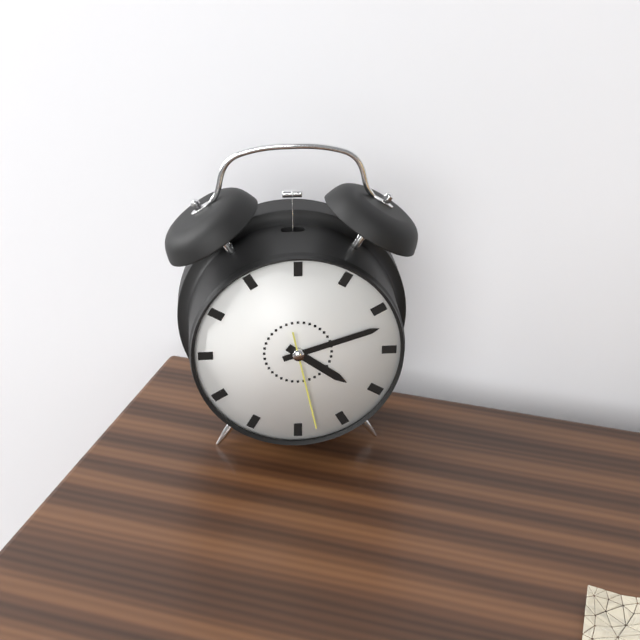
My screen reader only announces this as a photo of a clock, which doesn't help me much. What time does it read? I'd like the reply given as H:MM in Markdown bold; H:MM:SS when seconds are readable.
**4:12:28**
